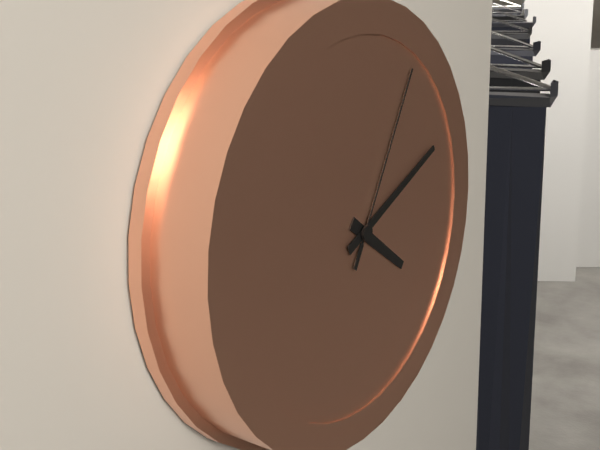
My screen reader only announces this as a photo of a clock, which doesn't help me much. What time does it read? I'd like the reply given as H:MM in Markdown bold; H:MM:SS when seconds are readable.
**4:11:05**
